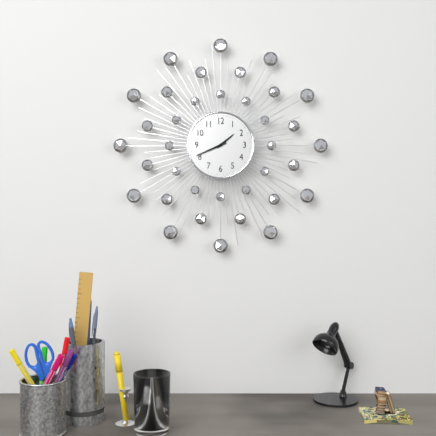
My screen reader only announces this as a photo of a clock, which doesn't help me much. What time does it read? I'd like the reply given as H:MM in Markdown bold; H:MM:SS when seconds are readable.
**1:41**
